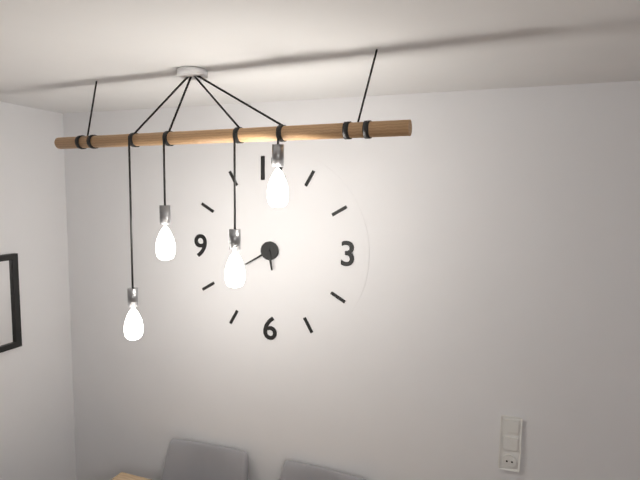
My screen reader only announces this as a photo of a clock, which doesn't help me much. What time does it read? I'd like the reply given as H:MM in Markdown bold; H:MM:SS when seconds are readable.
**5:40**
